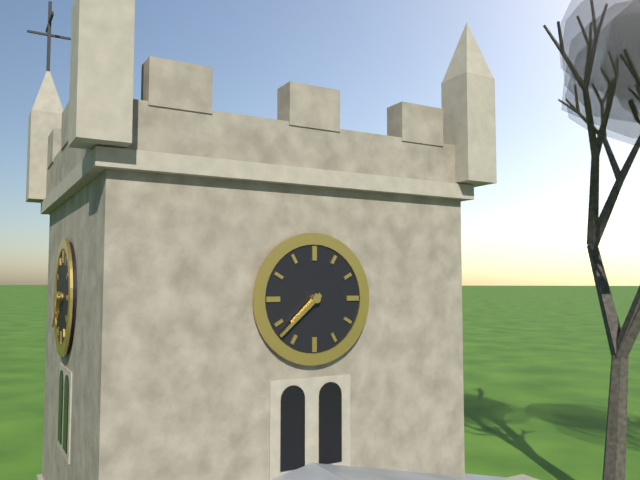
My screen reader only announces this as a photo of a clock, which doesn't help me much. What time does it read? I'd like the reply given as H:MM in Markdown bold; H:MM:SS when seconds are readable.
**7:38**
